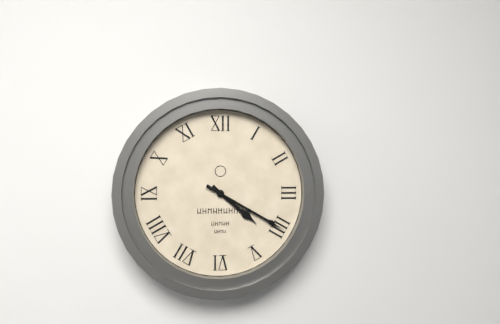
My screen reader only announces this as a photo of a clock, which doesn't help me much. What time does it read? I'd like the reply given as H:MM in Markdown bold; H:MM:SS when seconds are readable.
**4:20**
